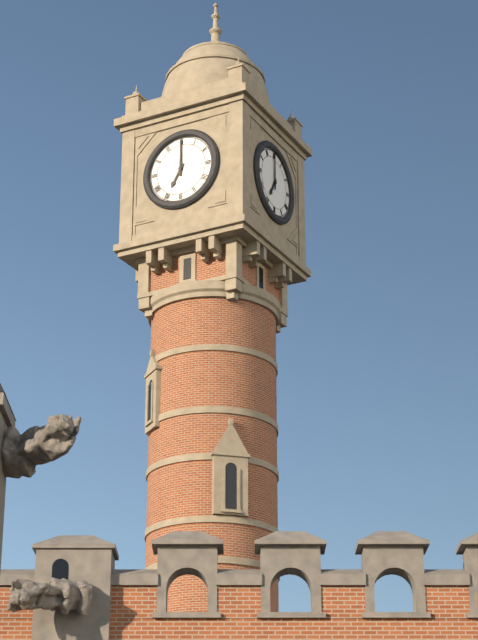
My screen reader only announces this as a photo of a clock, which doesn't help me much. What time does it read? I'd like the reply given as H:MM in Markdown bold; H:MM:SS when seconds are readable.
**7:00**
